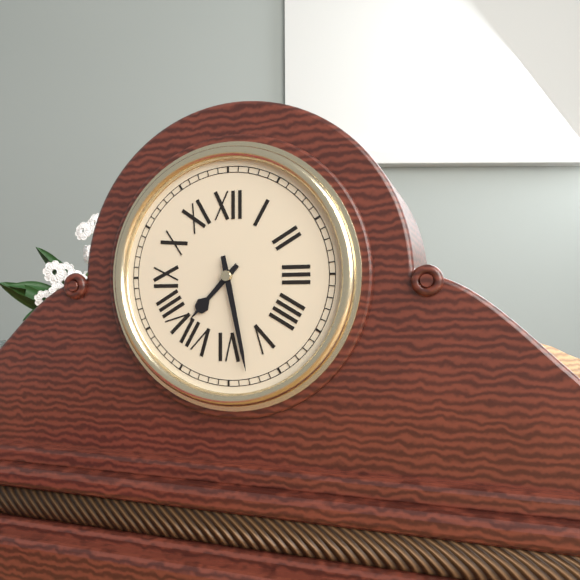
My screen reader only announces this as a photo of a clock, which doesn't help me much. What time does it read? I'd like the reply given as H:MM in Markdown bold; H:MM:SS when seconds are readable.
**7:28**
